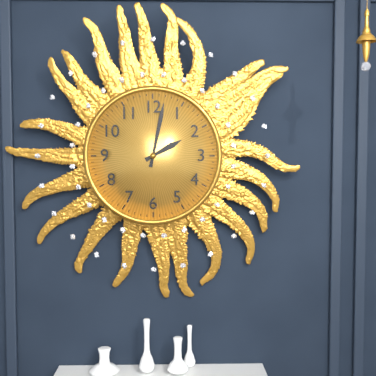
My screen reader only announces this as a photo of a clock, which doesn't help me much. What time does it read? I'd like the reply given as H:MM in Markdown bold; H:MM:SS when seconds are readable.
**2:02**
